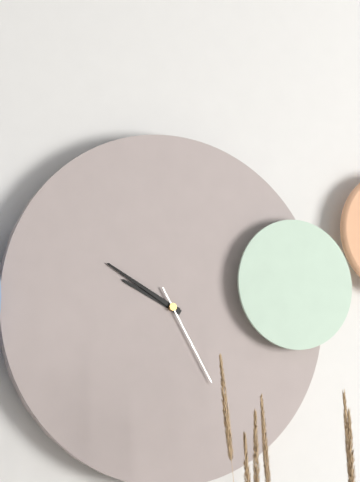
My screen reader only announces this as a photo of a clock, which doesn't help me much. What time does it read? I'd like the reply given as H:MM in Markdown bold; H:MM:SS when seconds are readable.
**9:50:25**
